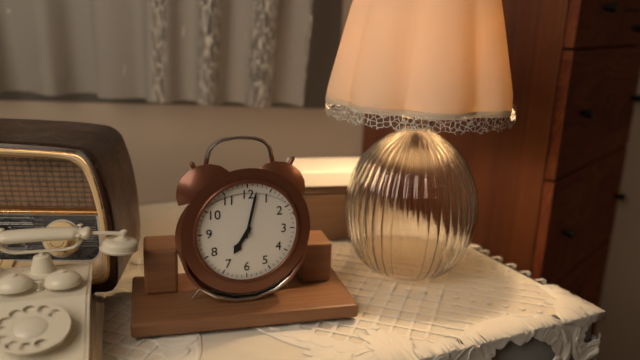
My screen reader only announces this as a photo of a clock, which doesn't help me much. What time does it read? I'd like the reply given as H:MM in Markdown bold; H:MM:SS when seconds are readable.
**7:02**
